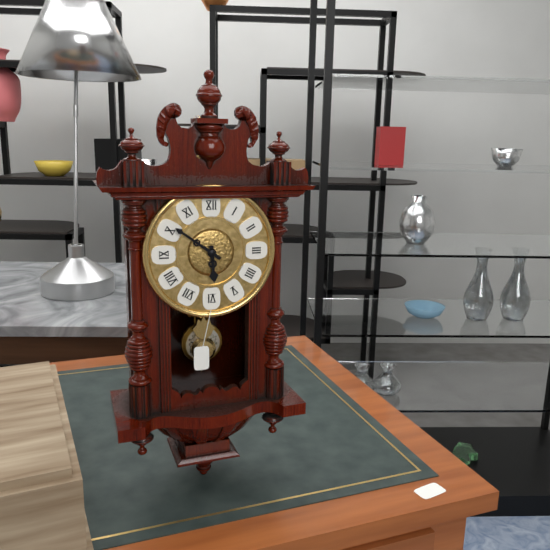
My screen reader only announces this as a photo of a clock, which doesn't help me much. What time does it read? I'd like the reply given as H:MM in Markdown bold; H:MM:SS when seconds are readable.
**5:51**
